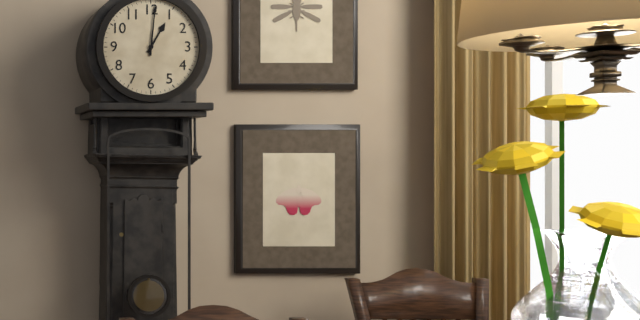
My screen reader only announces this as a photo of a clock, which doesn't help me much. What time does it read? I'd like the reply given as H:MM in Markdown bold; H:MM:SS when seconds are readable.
**1:01**
